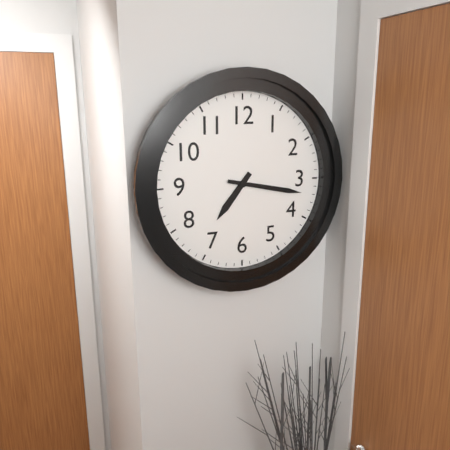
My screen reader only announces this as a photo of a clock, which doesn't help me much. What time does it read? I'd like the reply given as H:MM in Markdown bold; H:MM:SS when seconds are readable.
**7:17**
